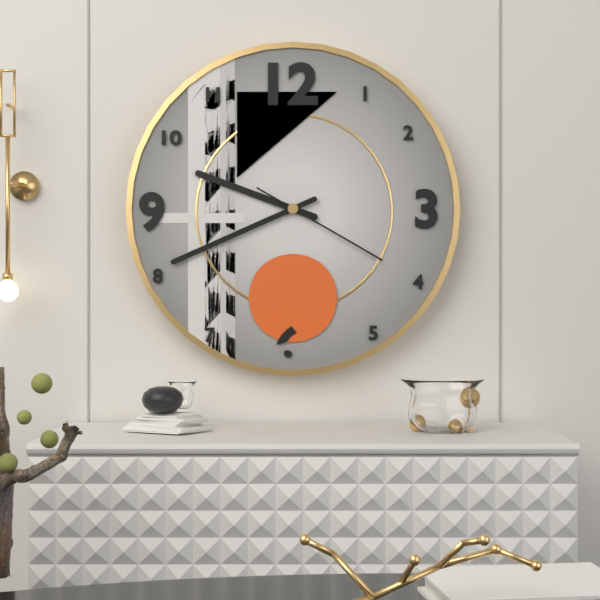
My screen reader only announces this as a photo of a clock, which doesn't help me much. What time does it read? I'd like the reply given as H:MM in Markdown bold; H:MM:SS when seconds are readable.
**9:41:20**
